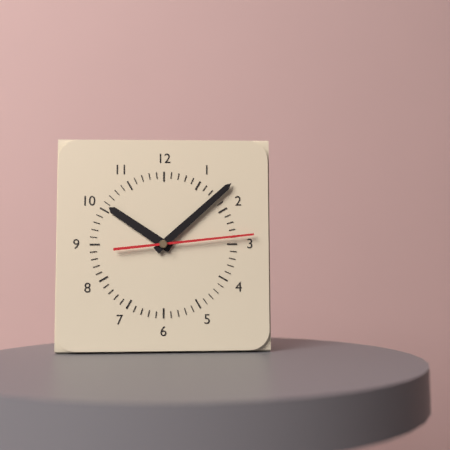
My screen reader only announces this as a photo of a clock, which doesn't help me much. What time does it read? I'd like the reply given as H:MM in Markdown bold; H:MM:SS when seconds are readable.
**10:08:14**
